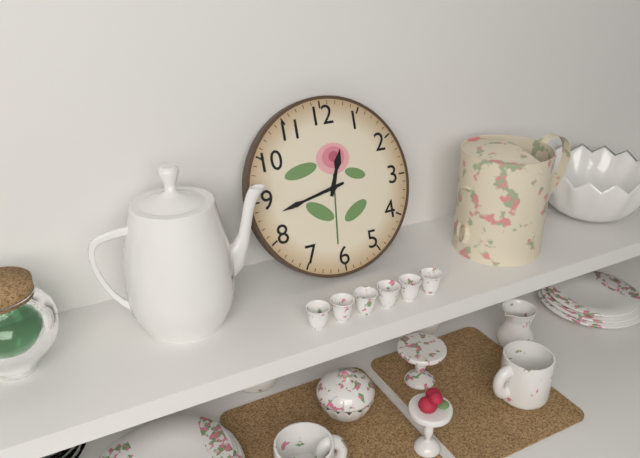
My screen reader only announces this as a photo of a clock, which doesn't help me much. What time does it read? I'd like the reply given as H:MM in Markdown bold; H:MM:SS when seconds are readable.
**12:43**
